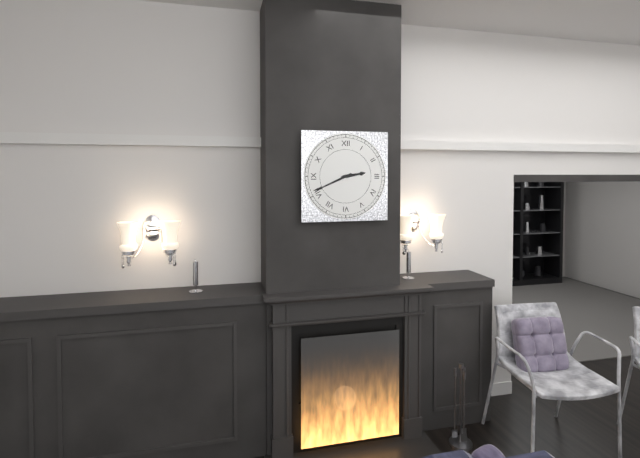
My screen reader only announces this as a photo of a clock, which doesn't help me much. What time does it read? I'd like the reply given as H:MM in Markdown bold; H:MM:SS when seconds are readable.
**2:41**
